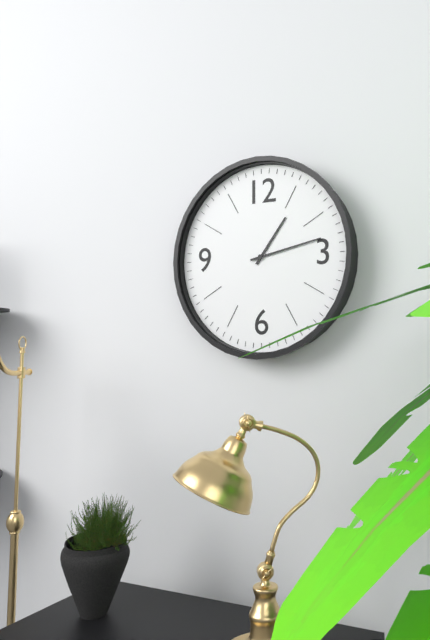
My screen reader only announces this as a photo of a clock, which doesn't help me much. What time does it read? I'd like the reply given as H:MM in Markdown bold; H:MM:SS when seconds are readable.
**1:13**
